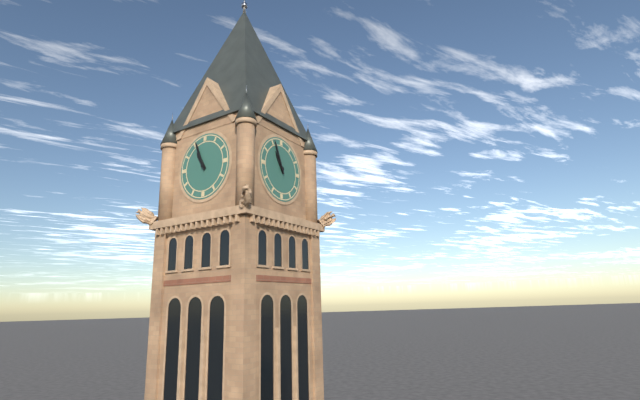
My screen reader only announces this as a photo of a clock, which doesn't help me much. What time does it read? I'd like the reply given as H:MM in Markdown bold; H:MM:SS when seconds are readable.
**10:56**
